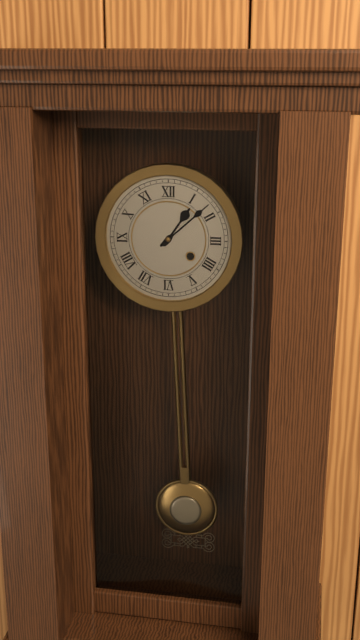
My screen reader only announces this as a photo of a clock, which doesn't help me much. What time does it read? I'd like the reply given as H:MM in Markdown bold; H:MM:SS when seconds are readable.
**1:08**
